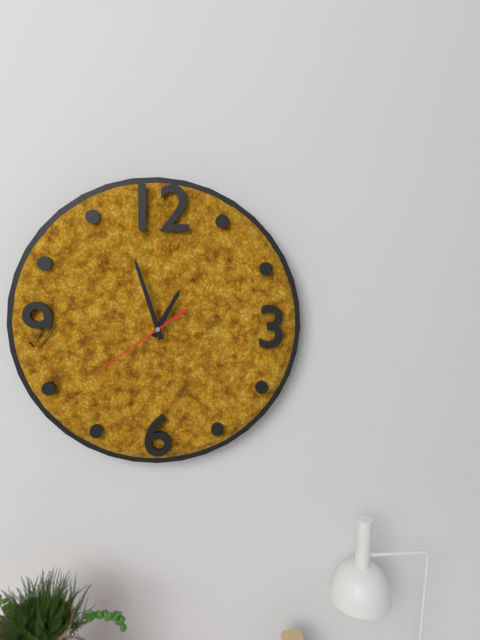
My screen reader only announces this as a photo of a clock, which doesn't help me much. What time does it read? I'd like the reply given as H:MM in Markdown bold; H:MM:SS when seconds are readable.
**12:57:39**
